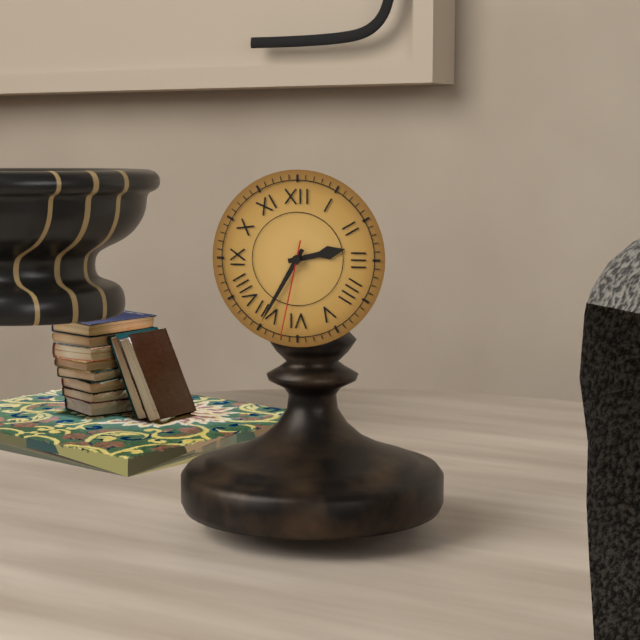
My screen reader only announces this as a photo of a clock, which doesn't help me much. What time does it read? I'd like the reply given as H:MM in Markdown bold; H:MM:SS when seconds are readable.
**2:35:32**
